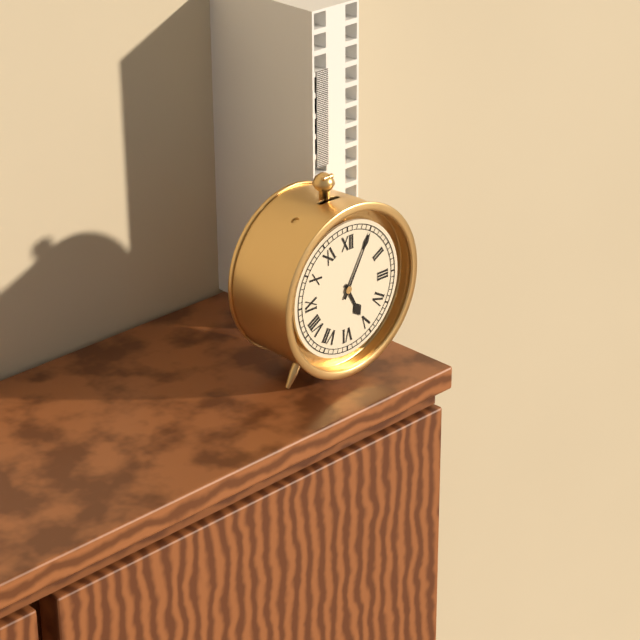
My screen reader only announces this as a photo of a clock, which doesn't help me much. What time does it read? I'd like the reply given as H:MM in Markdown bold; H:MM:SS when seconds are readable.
**5:05**
